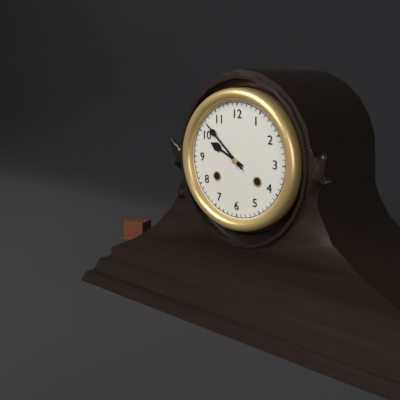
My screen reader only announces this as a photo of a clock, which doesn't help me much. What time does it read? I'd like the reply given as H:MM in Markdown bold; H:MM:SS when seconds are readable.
**9:52**
